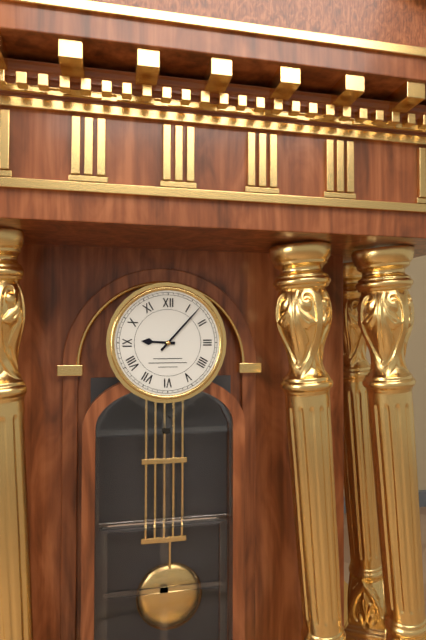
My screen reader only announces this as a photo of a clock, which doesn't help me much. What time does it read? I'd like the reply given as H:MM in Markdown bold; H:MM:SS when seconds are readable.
**9:07**
